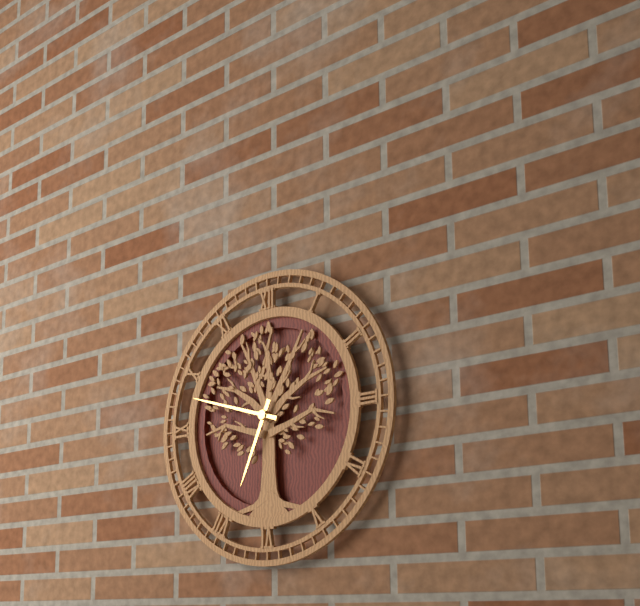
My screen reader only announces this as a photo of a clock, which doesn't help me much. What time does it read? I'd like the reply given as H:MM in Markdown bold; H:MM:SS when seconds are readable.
**6:48**
